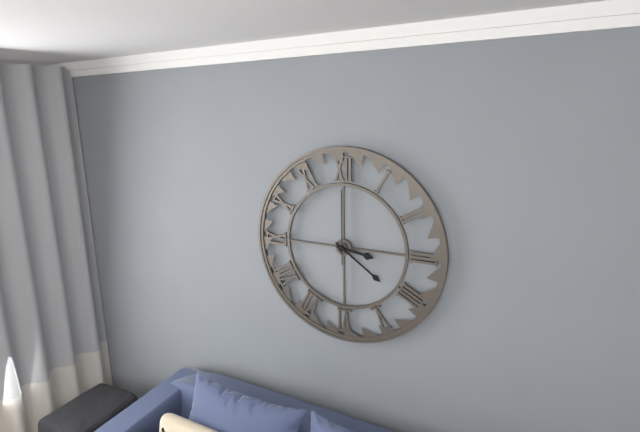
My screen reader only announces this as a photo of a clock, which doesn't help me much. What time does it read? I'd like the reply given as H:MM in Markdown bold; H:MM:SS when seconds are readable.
**3:21:00**
